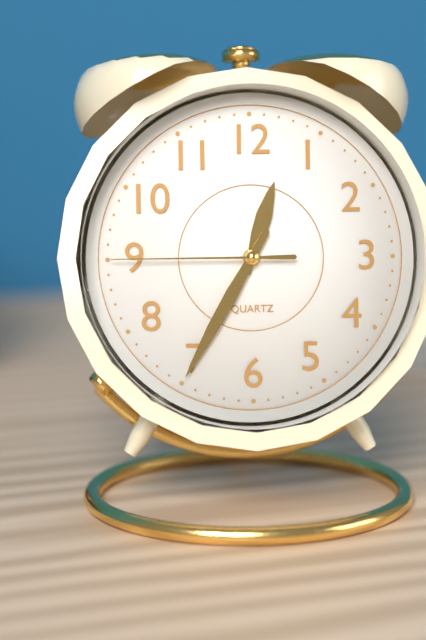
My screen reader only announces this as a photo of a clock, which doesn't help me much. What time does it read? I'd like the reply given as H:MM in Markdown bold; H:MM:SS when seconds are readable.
**12:35:45**
